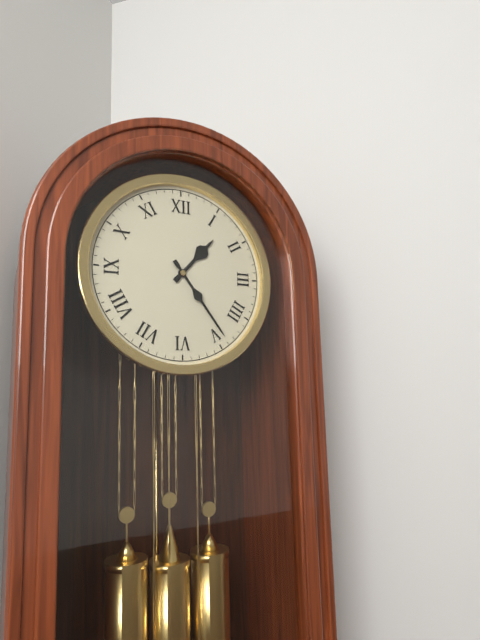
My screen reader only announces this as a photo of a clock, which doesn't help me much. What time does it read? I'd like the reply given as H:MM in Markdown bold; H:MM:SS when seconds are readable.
**1:24**
